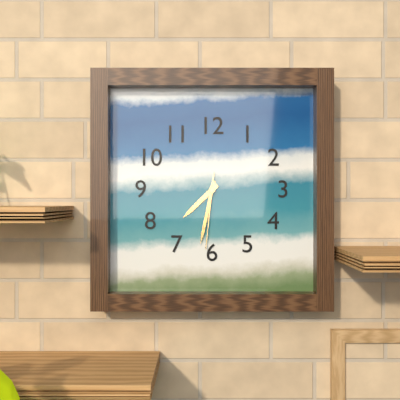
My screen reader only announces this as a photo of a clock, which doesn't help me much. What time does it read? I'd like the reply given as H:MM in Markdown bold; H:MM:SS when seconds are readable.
**7:32:31**
